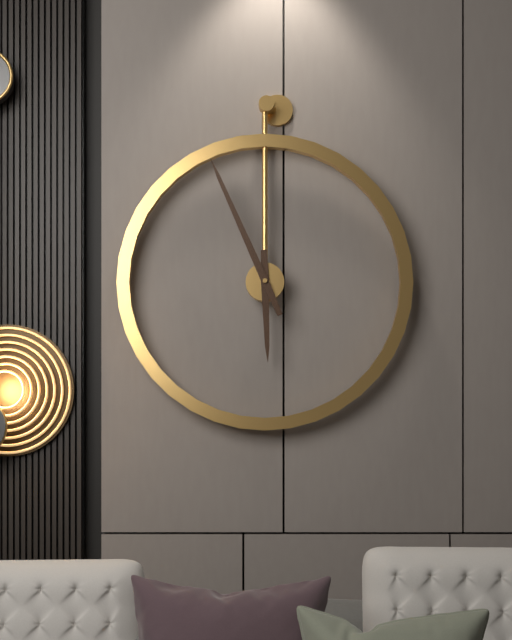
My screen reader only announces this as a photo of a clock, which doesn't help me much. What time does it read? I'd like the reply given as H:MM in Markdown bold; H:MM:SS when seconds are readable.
**5:56**
